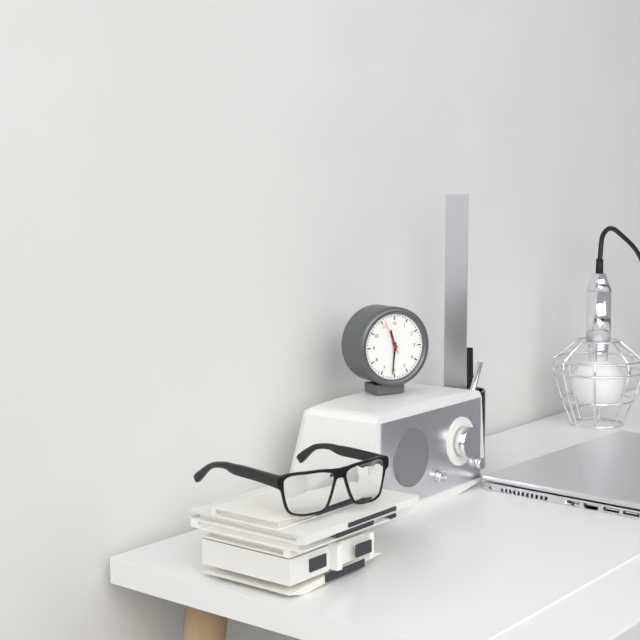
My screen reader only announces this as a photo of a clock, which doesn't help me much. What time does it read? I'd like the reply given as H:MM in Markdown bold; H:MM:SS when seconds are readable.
**11:31**
